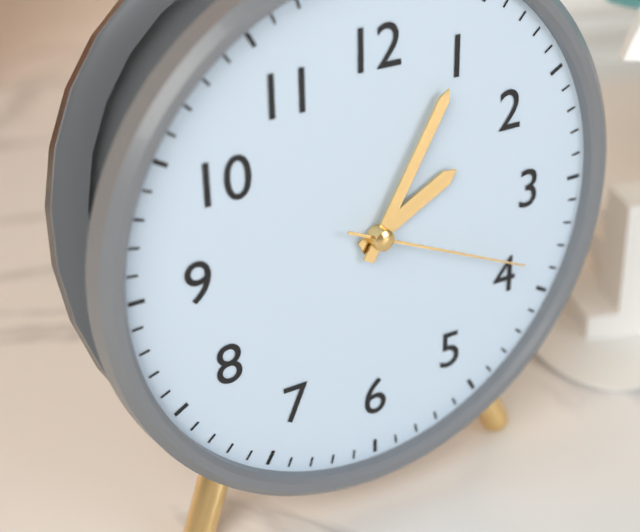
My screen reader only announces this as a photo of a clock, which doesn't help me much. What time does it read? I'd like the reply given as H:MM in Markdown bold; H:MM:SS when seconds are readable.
**2:05:19**
